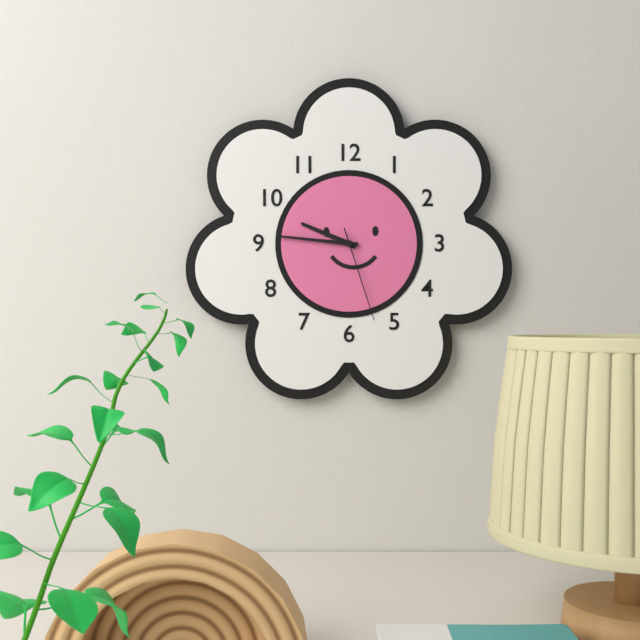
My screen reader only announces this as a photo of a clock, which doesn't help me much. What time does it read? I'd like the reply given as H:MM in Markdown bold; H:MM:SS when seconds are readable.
**9:46:27**
